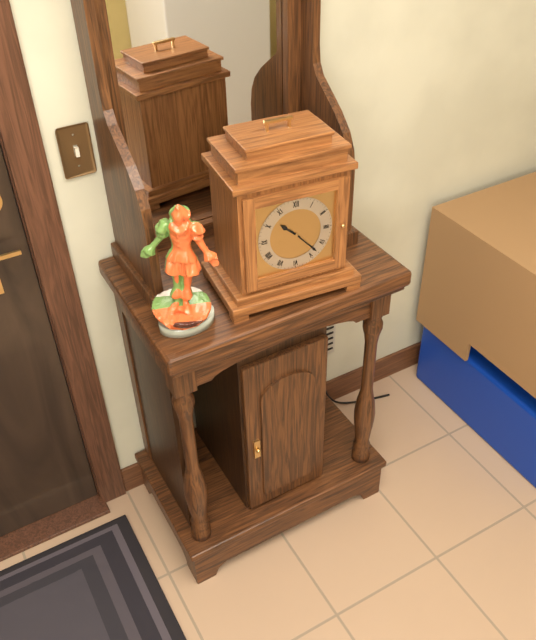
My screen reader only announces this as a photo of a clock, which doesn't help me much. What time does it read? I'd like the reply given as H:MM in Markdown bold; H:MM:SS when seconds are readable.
**10:23**
